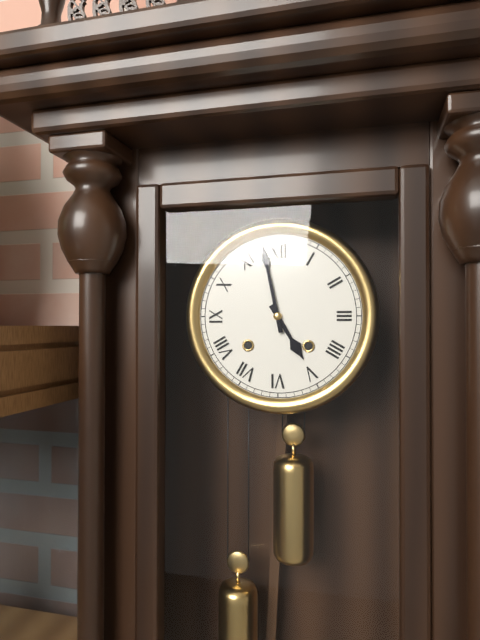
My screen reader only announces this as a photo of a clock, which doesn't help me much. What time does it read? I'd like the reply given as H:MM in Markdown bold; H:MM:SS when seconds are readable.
**4:58**
